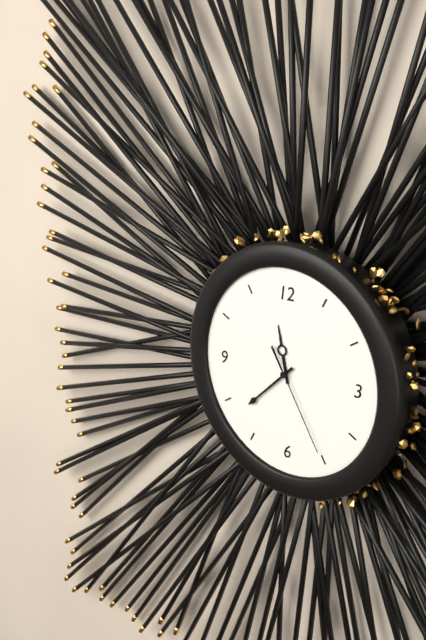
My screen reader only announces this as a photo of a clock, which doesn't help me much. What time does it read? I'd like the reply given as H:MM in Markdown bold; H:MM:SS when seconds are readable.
**11:38:25**
